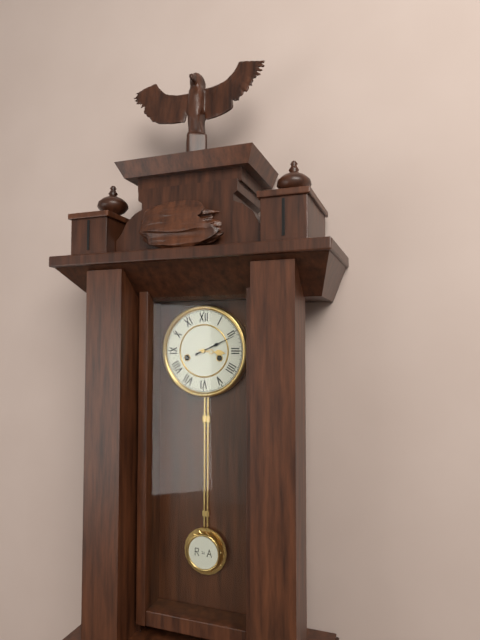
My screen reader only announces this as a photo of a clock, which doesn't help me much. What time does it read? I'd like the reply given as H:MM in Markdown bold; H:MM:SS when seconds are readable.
**3:11**
